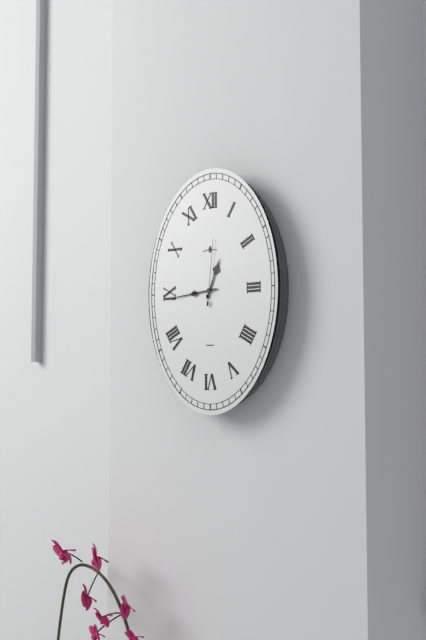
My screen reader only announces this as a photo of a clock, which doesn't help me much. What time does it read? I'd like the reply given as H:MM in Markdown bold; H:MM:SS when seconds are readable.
**12:44:01**
